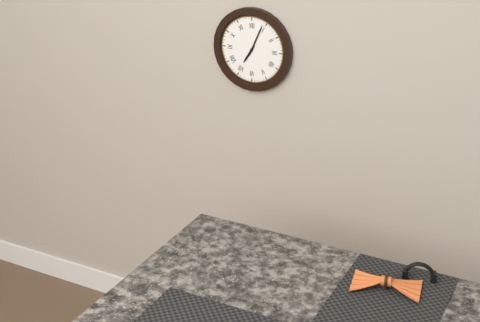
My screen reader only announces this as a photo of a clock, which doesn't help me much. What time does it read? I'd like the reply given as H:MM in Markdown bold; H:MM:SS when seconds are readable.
**7:04**
